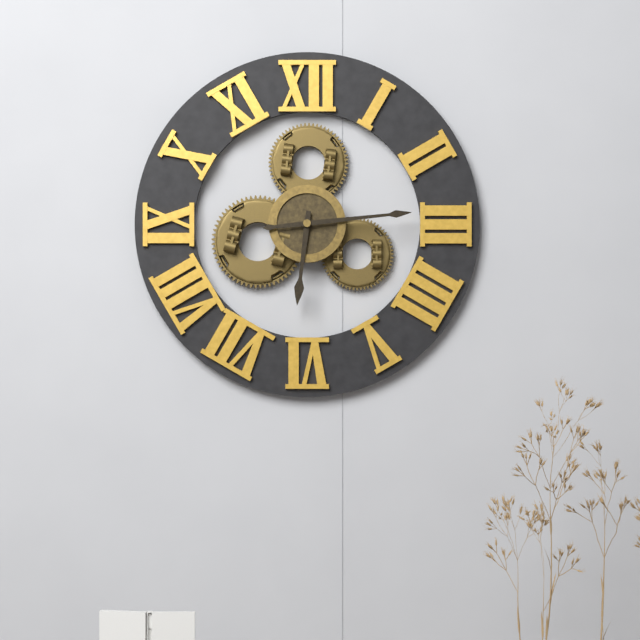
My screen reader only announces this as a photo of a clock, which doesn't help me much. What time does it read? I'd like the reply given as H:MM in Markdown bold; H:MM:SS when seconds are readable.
**6:14**
